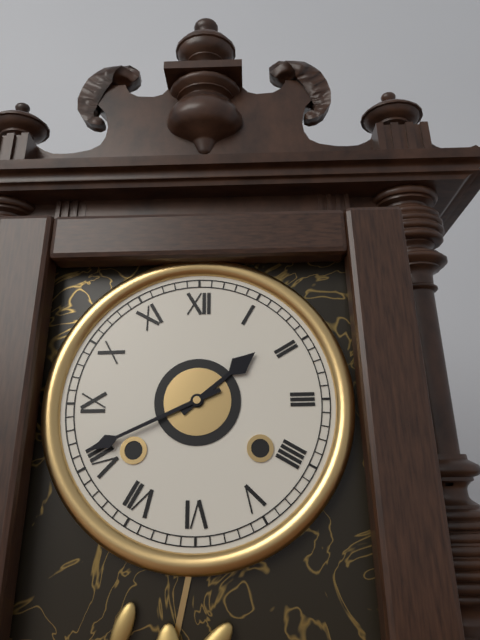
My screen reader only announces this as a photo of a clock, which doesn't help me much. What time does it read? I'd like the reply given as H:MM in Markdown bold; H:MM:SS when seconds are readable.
**1:41**
